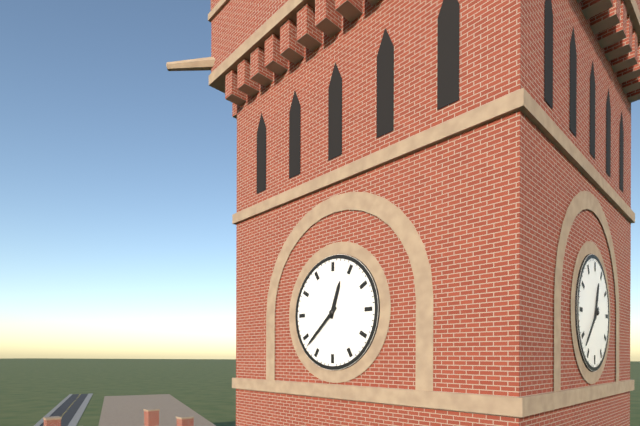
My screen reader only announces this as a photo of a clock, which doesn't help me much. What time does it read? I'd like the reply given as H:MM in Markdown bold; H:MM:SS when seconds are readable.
**12:38**
